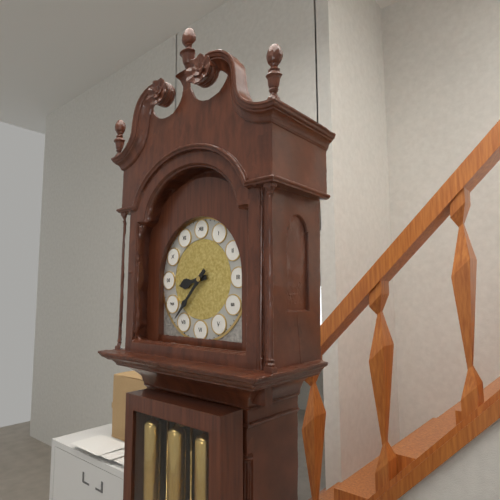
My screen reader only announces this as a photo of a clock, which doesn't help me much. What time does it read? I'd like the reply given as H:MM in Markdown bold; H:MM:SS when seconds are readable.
**8:37**
